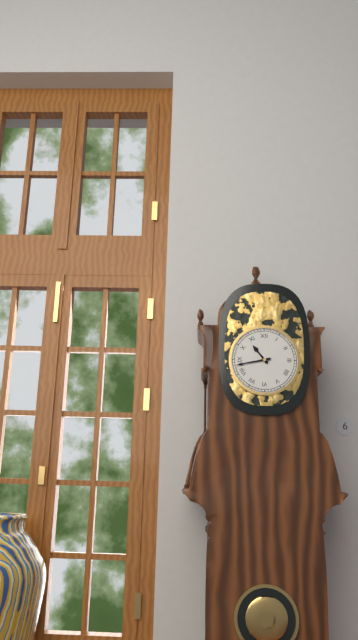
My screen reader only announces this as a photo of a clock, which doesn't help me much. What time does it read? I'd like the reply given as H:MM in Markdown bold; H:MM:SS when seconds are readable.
**10:43**
